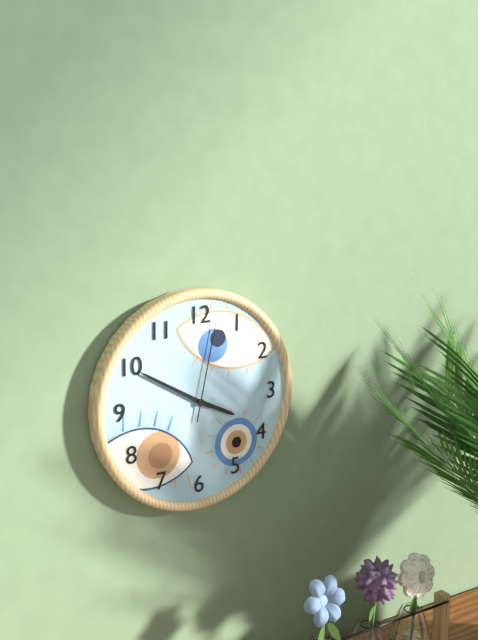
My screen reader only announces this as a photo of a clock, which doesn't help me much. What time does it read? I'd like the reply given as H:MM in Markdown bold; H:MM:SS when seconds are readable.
**3:50:02**
